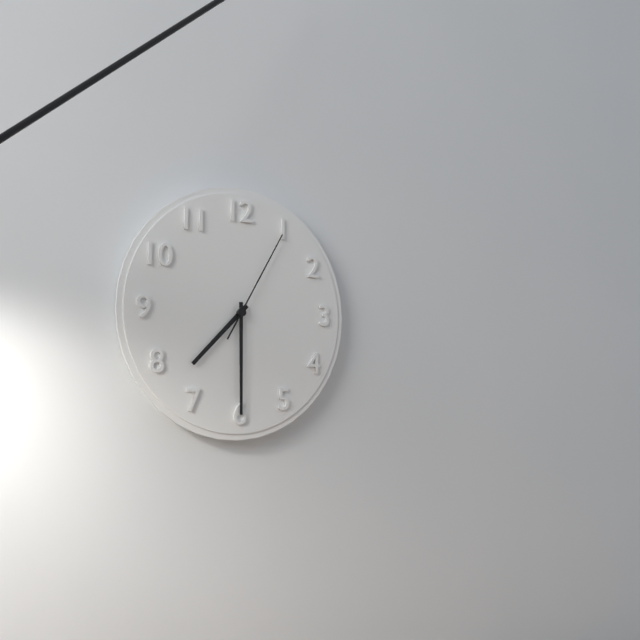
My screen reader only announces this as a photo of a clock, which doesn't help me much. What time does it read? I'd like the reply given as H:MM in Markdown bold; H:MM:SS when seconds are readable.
**7:30:05**
